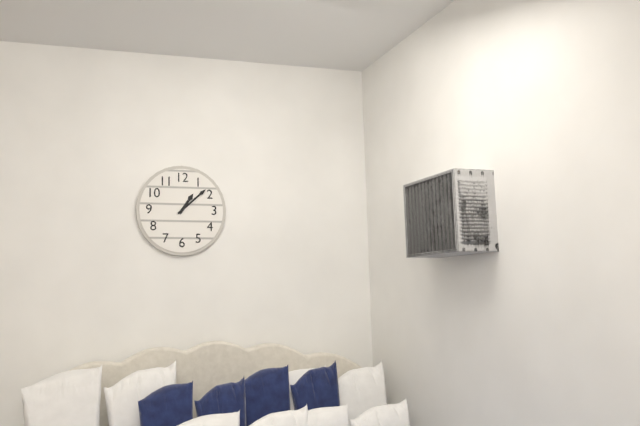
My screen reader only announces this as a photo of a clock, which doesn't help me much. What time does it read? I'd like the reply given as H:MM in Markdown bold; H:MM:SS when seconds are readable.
**1:08**
